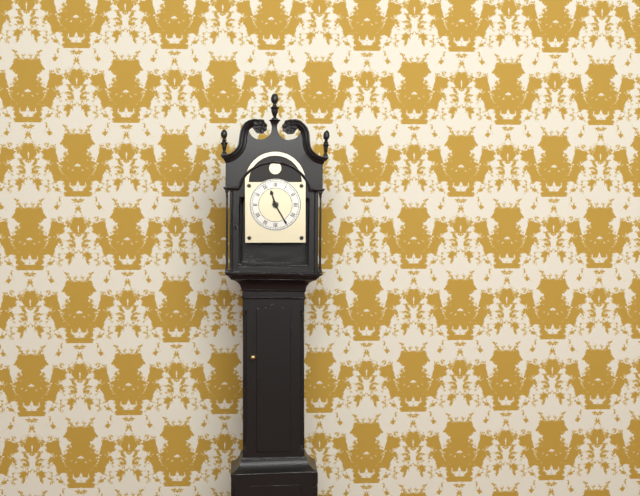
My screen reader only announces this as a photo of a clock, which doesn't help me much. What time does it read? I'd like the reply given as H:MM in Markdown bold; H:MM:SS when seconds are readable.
**11:25**
